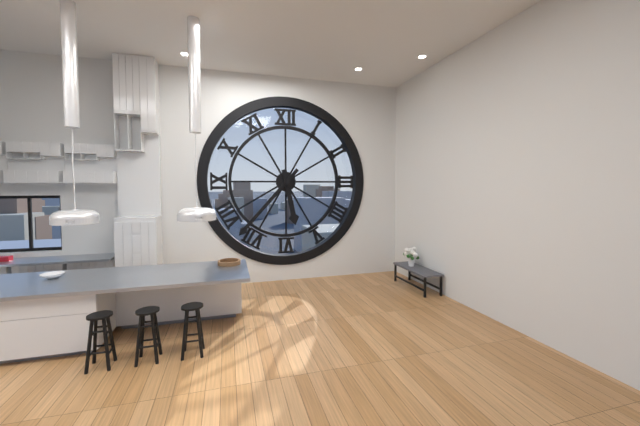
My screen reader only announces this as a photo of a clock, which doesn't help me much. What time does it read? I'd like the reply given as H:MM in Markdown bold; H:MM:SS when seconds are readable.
**5:37**
